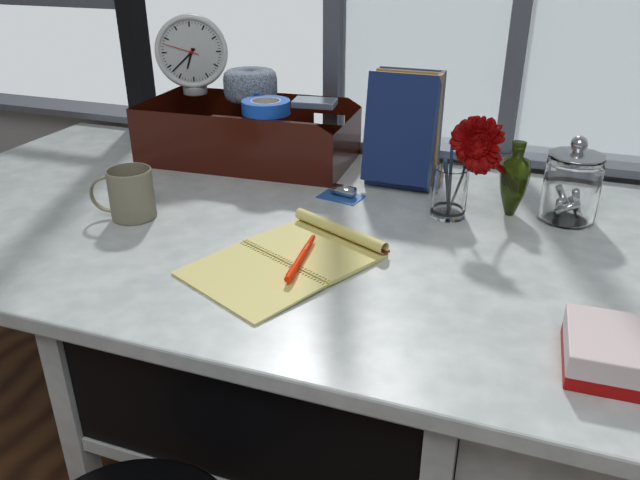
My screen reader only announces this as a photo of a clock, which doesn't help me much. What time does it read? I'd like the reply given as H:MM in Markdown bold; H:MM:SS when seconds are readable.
**6:38**
